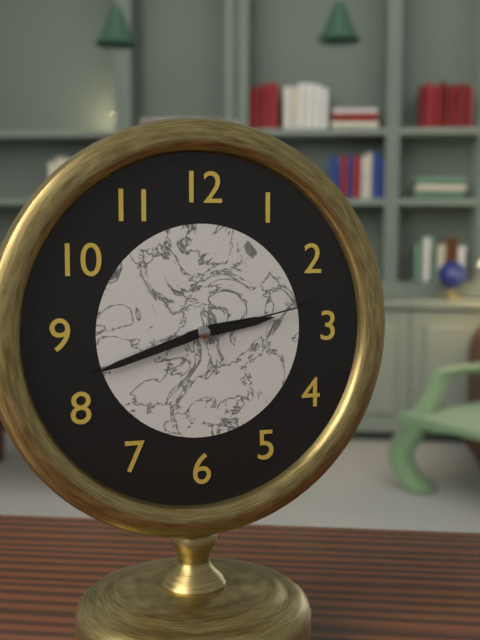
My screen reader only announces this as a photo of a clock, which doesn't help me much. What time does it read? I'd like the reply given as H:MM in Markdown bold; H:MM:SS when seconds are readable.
**2:42:13**
